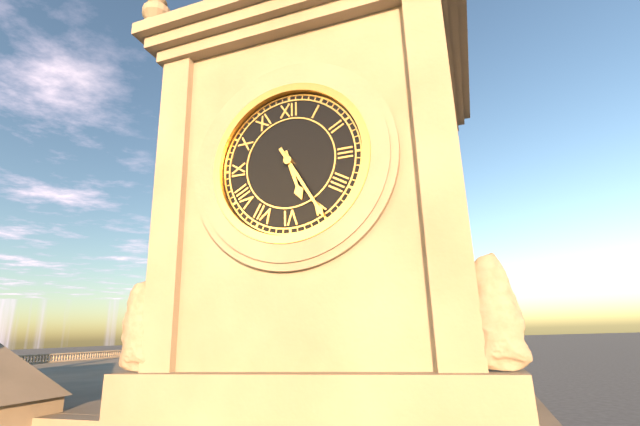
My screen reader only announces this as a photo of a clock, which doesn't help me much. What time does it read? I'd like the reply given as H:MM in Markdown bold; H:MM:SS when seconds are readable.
**5:25**
